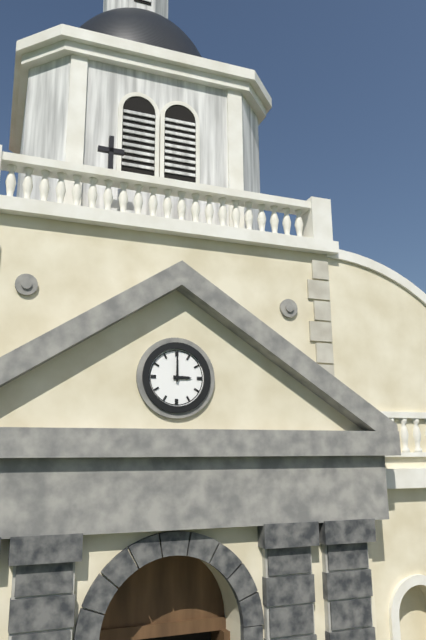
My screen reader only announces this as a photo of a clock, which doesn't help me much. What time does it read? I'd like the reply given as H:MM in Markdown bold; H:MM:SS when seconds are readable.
**3:00**
